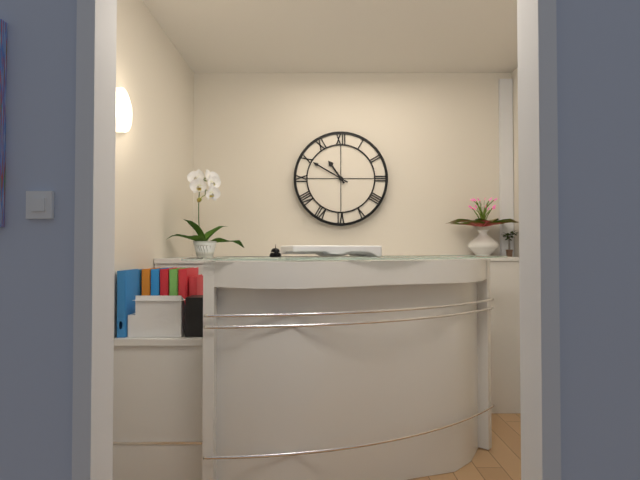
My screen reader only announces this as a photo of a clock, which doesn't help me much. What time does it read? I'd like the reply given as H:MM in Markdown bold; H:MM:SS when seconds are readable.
**10:50**
